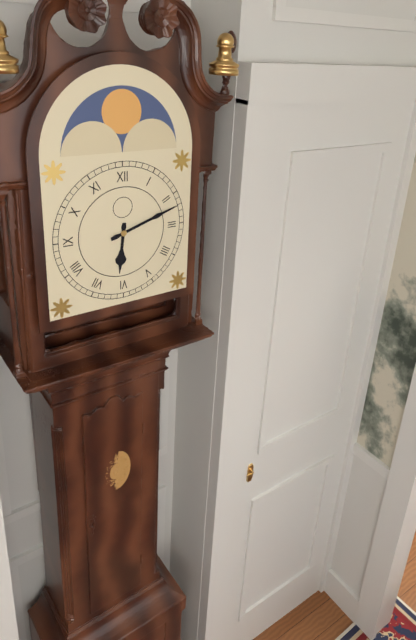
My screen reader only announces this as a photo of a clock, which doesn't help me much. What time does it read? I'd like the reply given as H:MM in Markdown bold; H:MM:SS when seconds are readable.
**6:12**
